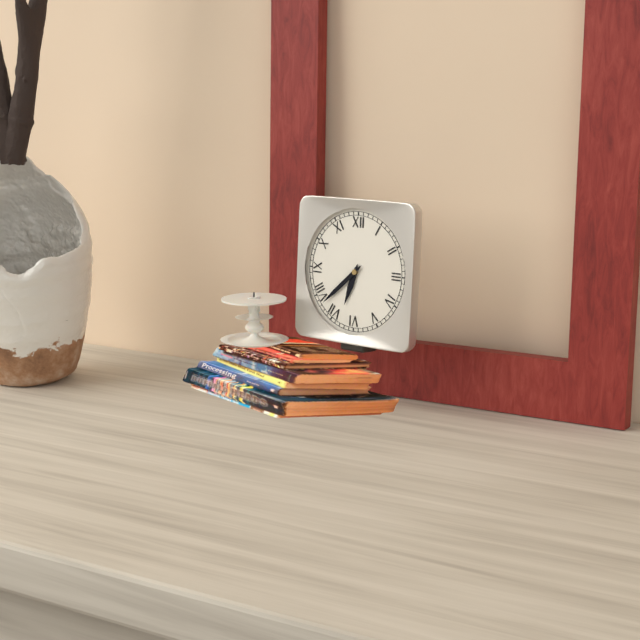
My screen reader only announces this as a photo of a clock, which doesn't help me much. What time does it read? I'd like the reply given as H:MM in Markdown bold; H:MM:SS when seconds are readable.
**6:38**
